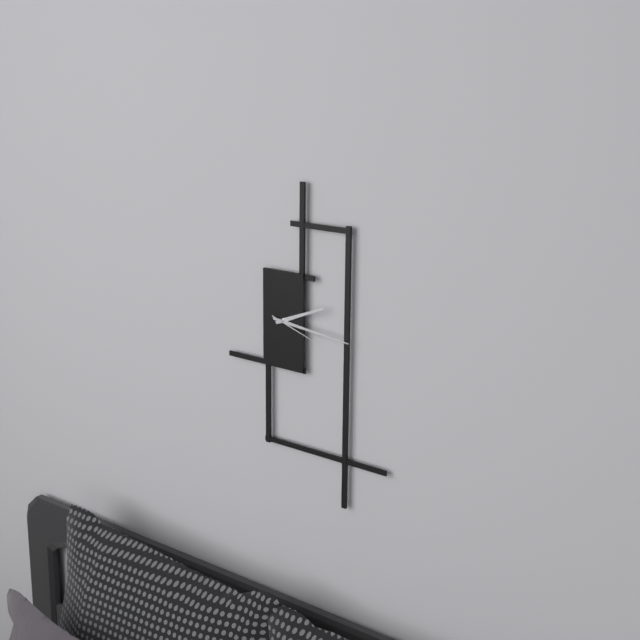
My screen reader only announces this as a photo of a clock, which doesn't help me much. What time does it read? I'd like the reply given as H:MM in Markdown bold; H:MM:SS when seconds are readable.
**2:16**
